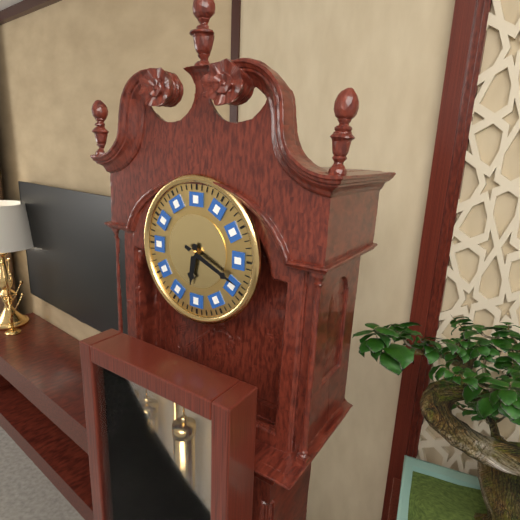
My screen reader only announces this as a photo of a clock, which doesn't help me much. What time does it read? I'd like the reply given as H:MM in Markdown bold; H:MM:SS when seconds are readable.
**6:19**
